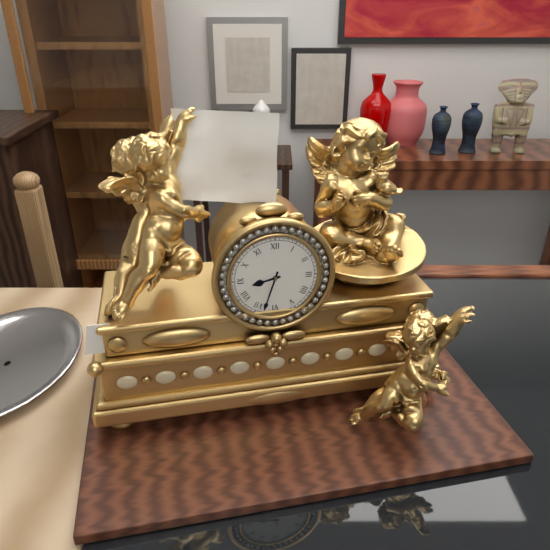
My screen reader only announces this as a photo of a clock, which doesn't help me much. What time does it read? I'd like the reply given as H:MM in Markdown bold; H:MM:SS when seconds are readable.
**8:33**
